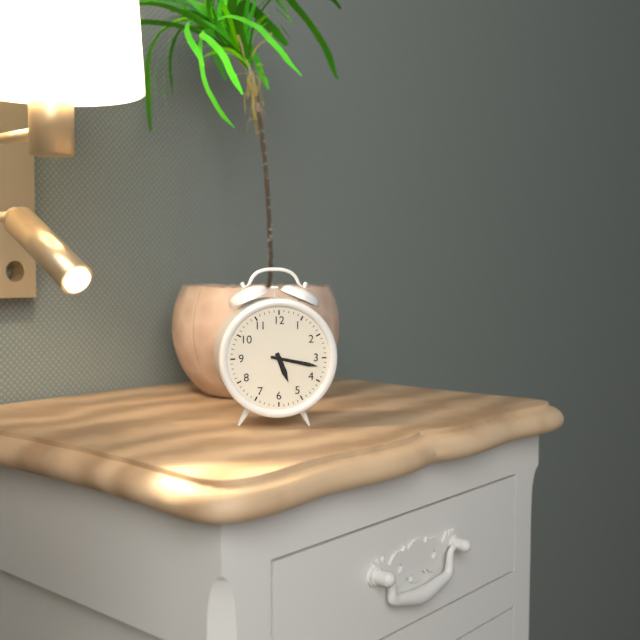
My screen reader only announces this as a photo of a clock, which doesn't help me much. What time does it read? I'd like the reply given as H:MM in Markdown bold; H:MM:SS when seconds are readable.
**5:17**
